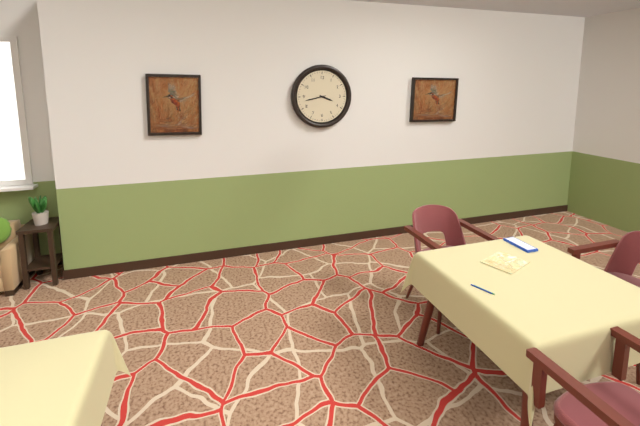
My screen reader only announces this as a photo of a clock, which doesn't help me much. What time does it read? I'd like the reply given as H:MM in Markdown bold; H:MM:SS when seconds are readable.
**3:43**
